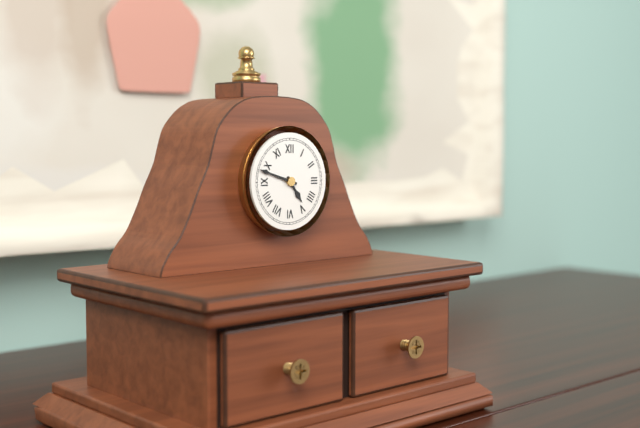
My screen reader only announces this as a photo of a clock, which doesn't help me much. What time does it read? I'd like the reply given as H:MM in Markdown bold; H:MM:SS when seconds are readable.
**4:48**
